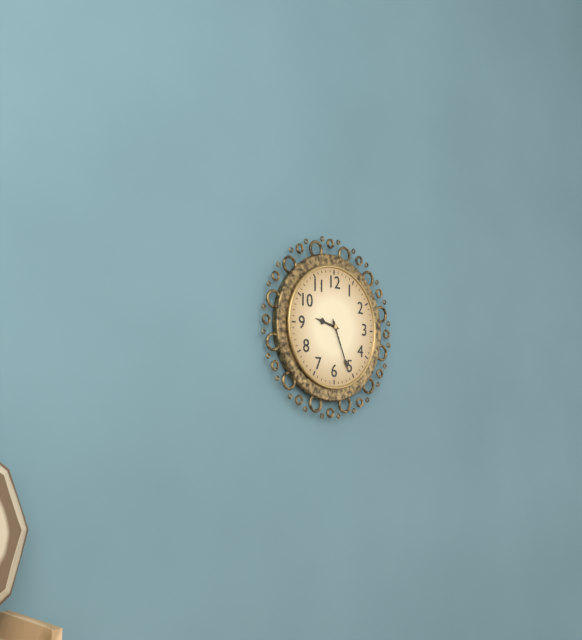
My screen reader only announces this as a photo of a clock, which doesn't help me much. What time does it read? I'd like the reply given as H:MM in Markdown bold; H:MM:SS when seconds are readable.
**9:26**
